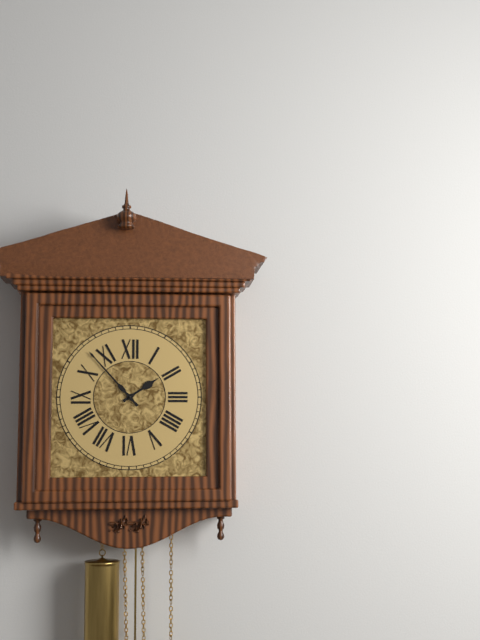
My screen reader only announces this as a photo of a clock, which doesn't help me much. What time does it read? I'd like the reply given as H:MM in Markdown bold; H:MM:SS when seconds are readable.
**1:53**
